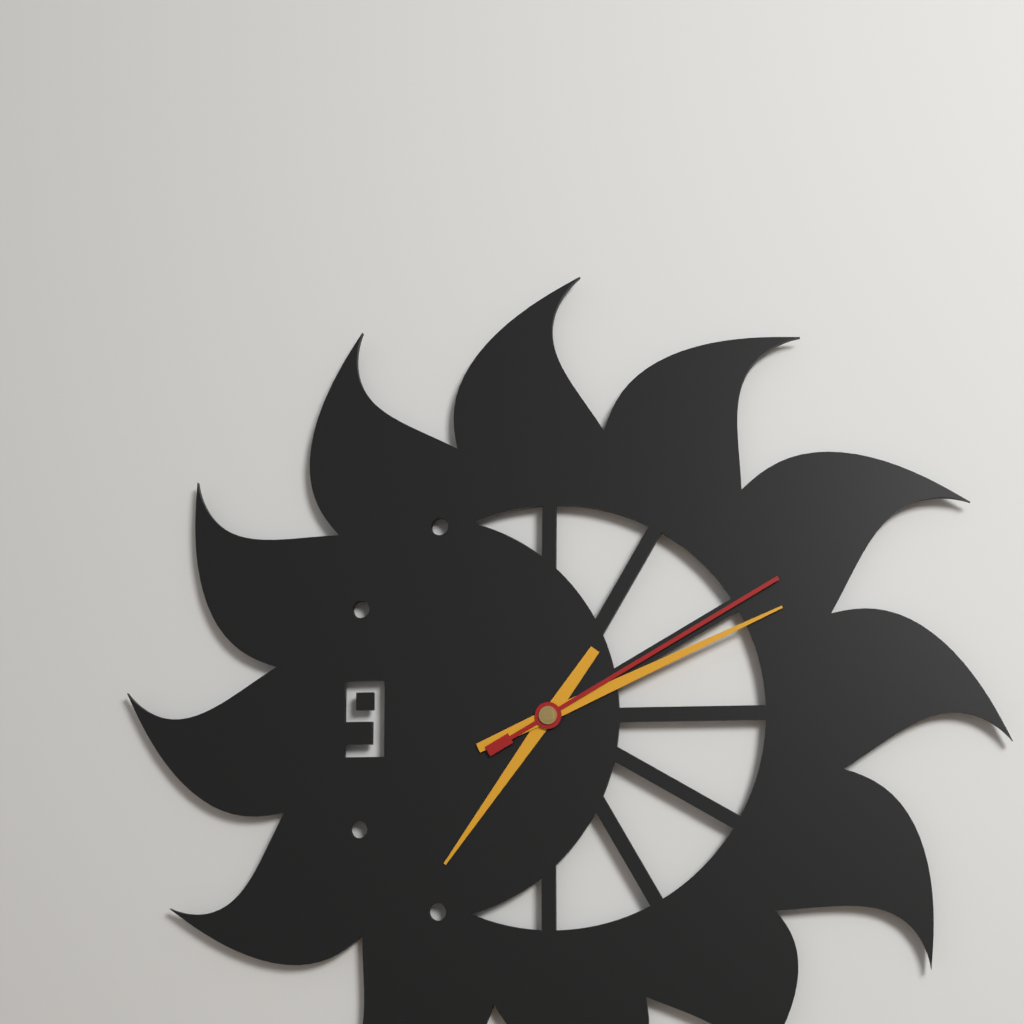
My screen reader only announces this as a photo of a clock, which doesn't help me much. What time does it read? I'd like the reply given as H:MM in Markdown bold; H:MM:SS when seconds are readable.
**7:11:10**
